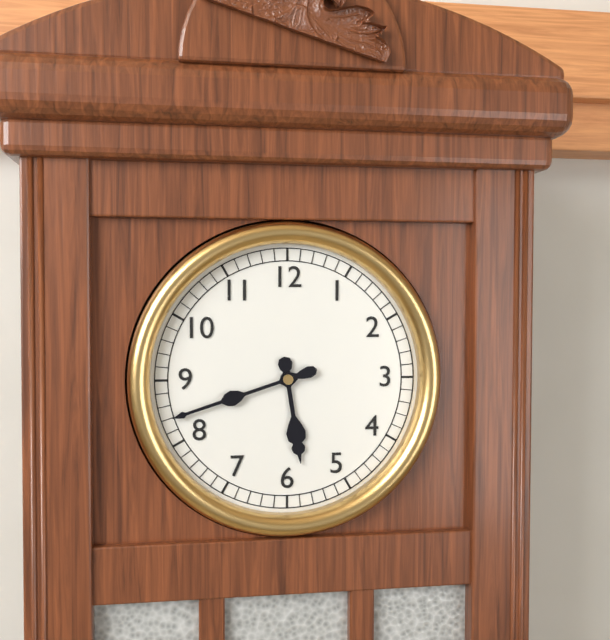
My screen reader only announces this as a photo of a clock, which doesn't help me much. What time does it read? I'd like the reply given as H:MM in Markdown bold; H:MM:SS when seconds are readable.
**5:42**
